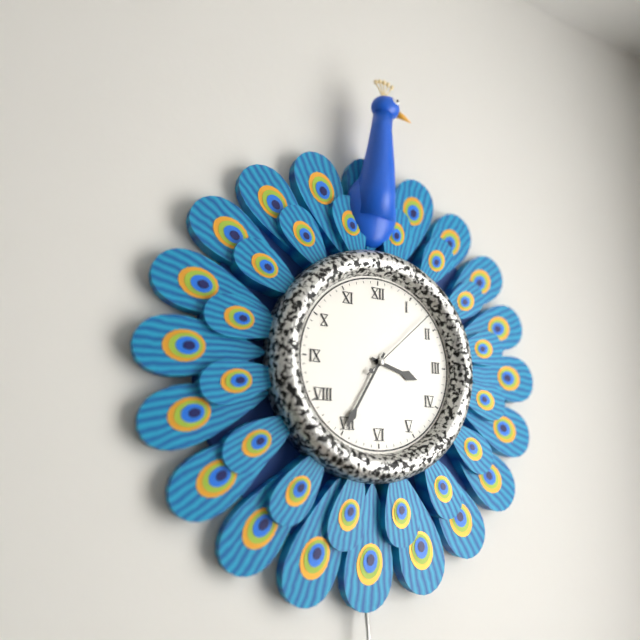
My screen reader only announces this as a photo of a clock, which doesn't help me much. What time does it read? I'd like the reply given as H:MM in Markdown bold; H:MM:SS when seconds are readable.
**3:35:08**
